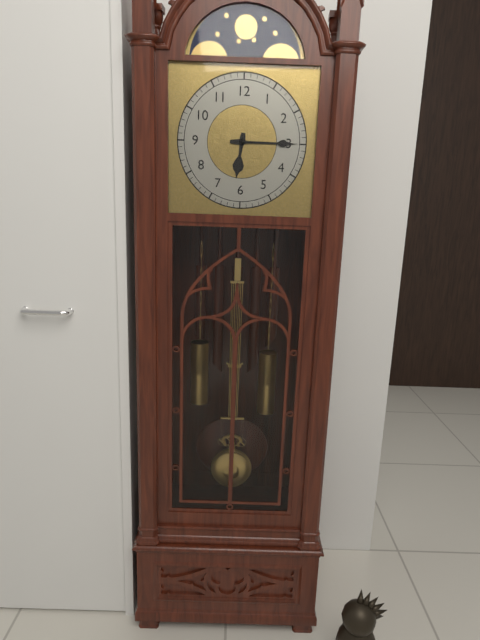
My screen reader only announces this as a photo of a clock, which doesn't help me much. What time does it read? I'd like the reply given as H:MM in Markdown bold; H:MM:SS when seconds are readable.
**6:15**
